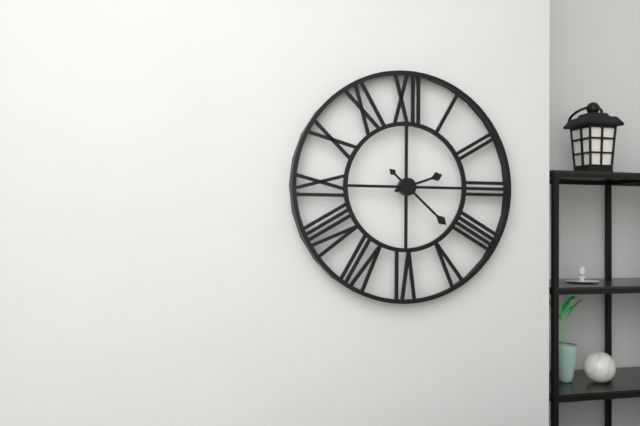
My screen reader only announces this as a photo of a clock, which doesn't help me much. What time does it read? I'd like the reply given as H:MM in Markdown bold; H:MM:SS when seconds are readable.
**2:22**
